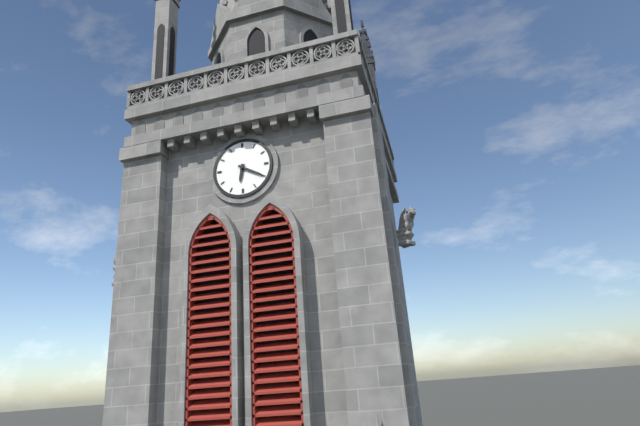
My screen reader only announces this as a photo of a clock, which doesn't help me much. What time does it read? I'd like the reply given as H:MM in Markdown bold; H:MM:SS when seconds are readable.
**6:20**
